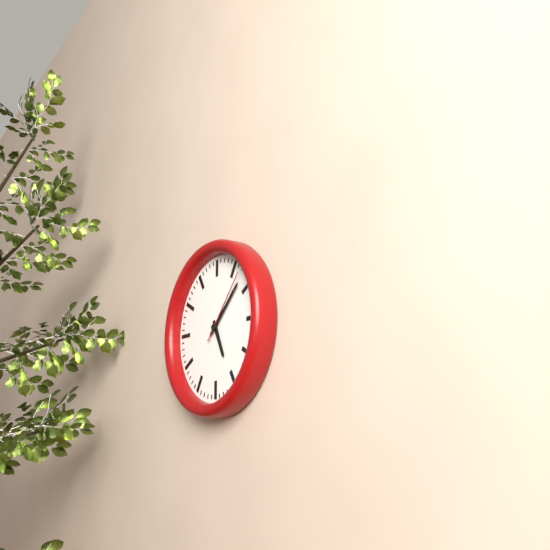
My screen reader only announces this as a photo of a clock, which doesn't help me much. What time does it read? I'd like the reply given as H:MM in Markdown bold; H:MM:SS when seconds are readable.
**5:08:07**
